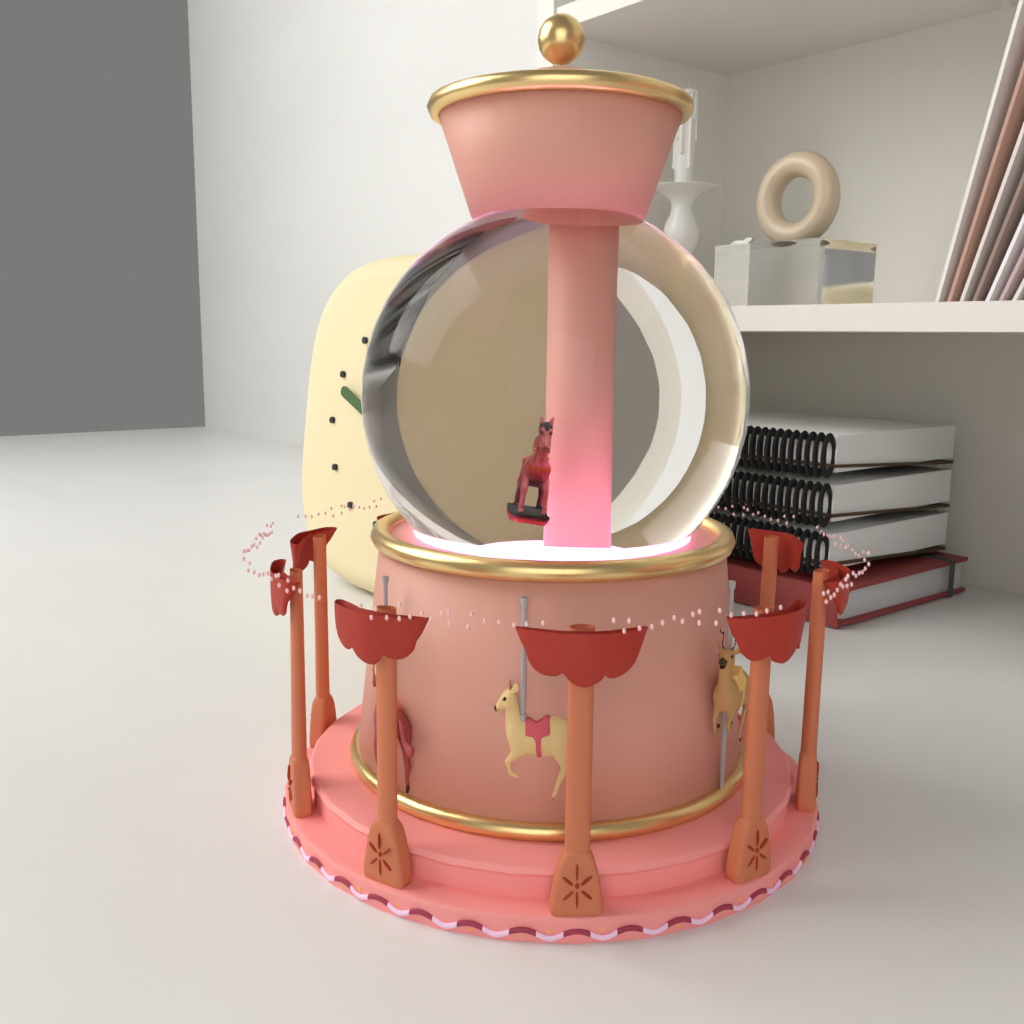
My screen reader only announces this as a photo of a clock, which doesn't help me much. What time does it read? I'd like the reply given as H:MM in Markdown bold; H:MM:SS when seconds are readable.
**2:49**
